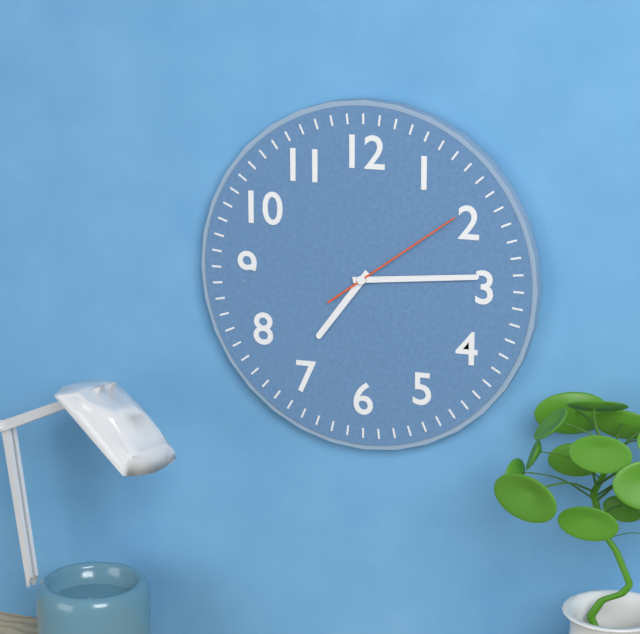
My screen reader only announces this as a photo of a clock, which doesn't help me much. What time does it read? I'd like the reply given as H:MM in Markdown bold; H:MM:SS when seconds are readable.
**7:14:09**
